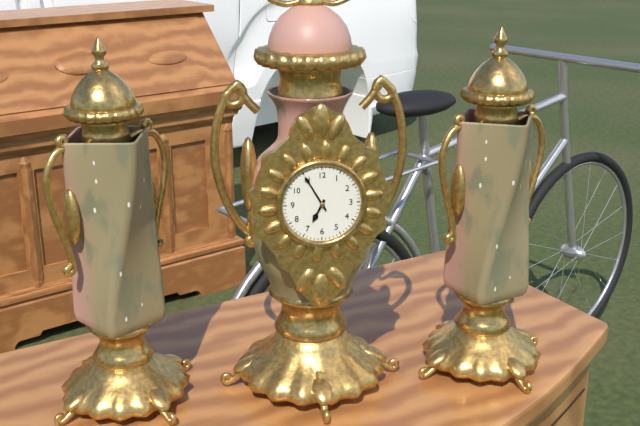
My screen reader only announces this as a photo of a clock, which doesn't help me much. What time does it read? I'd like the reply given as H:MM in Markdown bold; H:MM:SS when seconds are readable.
**6:55**
